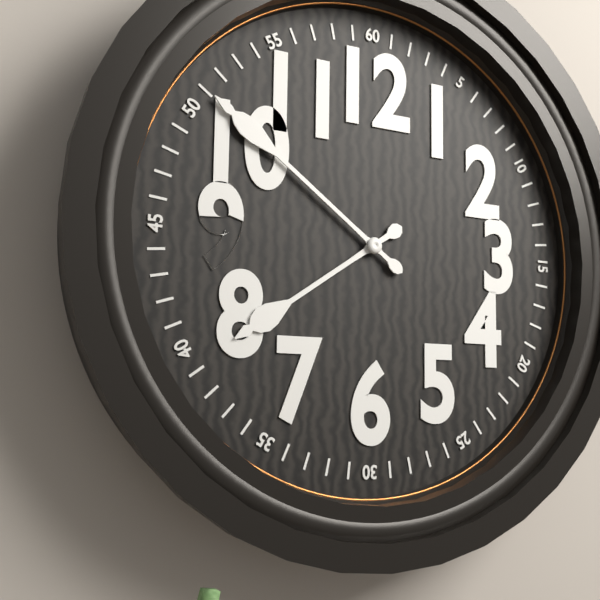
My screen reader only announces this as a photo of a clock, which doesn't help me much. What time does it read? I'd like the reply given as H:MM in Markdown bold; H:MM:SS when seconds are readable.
**7:51**
